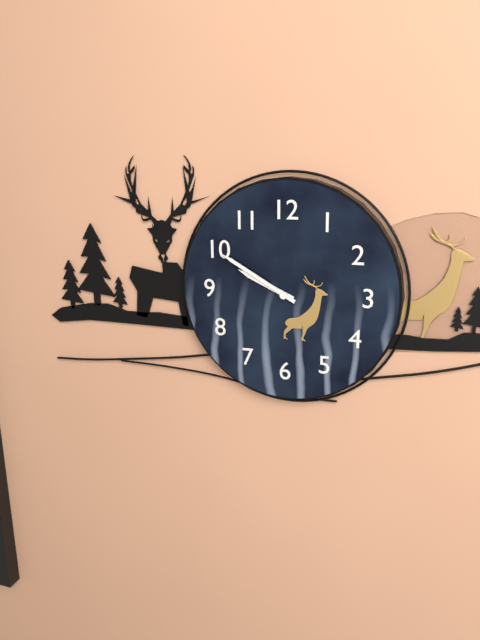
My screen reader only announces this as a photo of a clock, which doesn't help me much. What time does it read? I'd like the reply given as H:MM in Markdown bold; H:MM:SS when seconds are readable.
**9:50**
